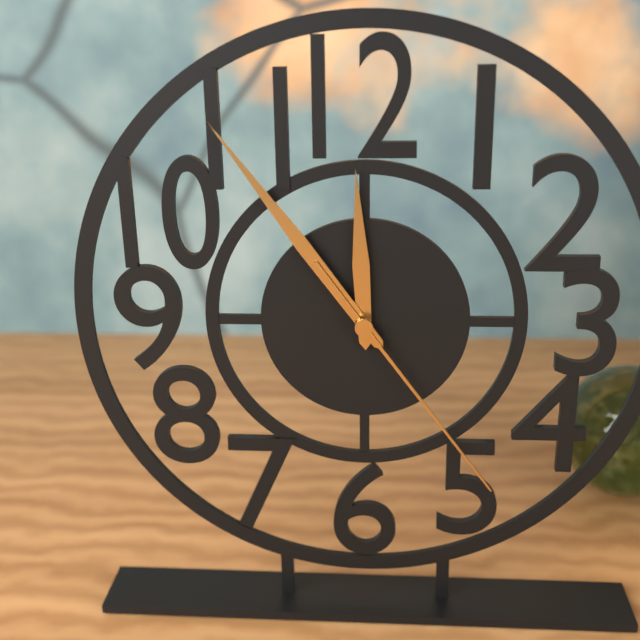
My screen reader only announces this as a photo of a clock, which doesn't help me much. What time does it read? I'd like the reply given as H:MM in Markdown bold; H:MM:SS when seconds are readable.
**11:54:24**
